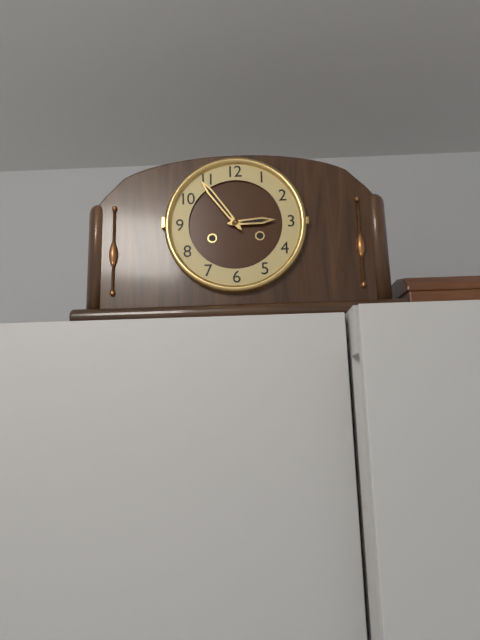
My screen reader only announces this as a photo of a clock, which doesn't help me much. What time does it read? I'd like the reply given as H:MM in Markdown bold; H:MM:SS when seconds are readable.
**2:54**
